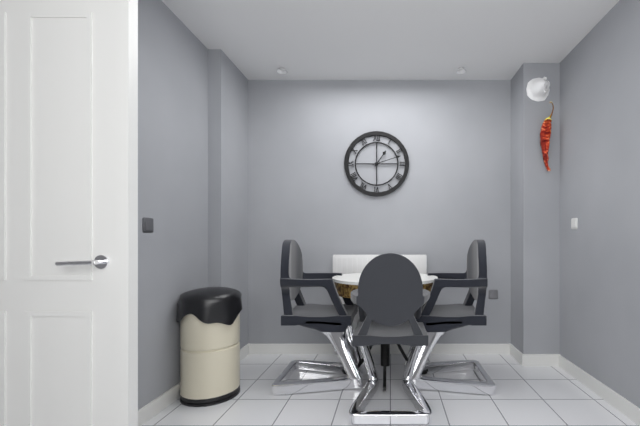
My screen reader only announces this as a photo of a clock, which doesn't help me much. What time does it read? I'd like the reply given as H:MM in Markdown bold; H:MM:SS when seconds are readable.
**1:12**
